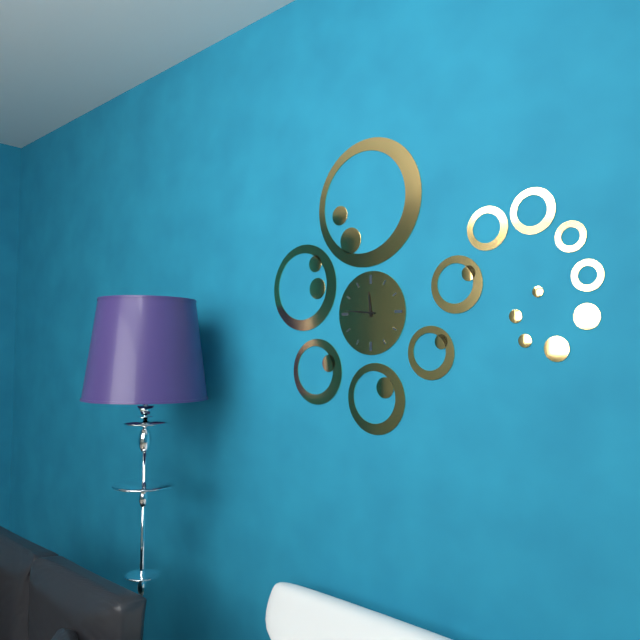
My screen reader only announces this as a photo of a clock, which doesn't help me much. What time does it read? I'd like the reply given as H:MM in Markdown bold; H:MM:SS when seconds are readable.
**11:46**
